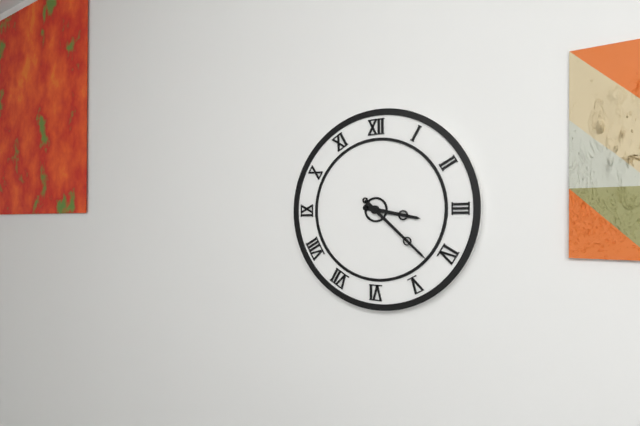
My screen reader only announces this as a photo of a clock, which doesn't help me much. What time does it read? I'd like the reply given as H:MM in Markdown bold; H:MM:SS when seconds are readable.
**3:22**
